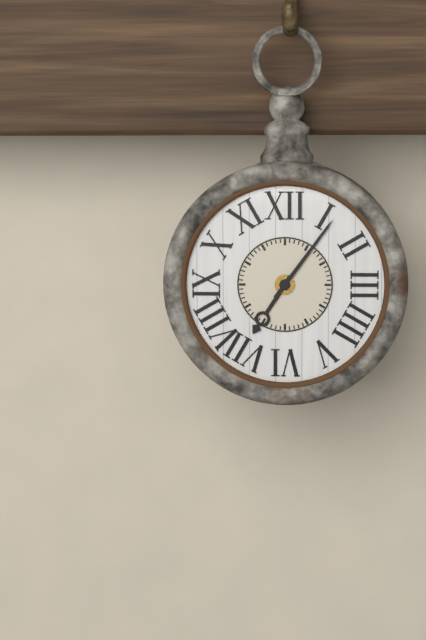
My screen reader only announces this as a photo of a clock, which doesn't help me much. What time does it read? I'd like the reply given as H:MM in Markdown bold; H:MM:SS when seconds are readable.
**7:06**
